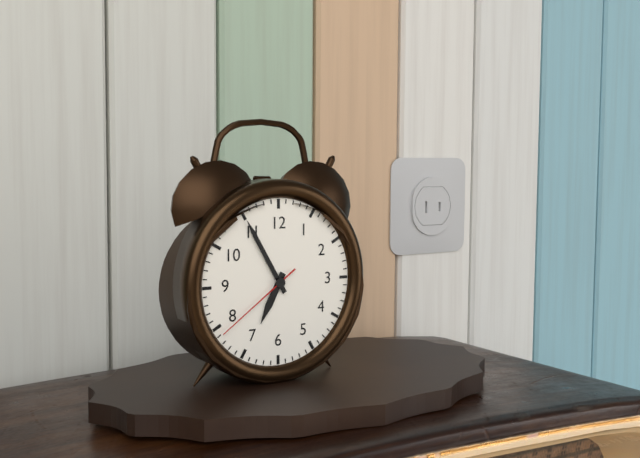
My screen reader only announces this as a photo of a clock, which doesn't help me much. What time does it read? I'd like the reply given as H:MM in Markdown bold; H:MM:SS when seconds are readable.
**6:55:39**
